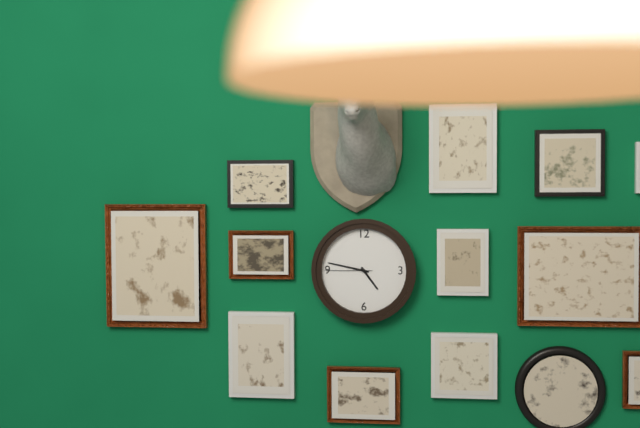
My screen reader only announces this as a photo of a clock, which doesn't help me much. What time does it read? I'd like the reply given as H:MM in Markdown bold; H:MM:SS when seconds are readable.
**4:47:45**
